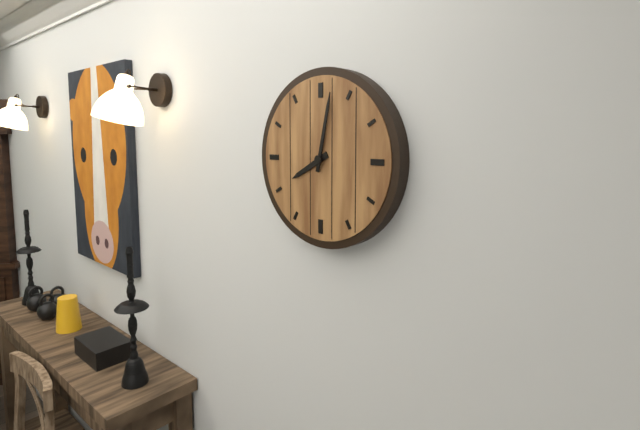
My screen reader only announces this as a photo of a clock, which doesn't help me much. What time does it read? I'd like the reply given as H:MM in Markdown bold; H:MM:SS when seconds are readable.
**8:02**
